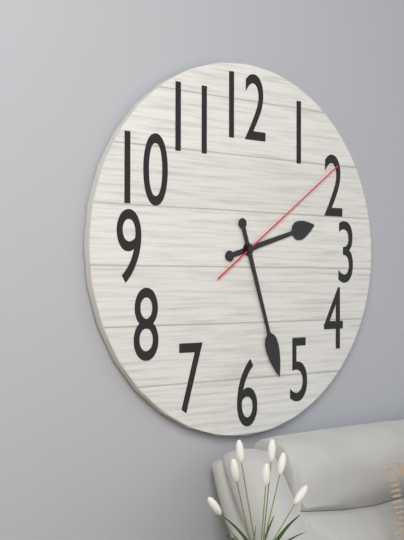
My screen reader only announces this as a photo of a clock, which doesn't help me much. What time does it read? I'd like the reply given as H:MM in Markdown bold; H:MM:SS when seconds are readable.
**2:27:09**
